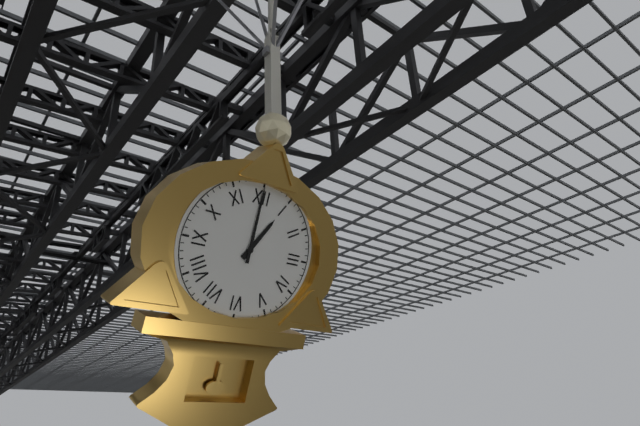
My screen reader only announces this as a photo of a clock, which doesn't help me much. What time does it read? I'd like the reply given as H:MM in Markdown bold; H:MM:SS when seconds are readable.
**1:00**
